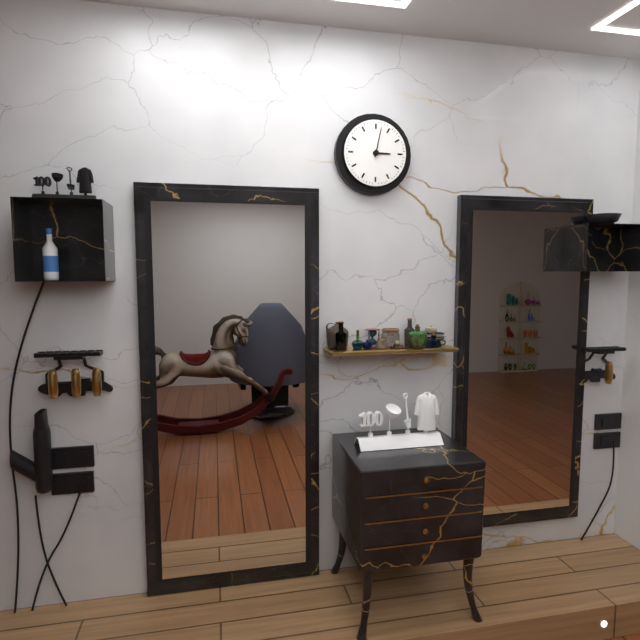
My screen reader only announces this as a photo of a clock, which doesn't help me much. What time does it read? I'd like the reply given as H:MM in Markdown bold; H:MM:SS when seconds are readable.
**3:02**
